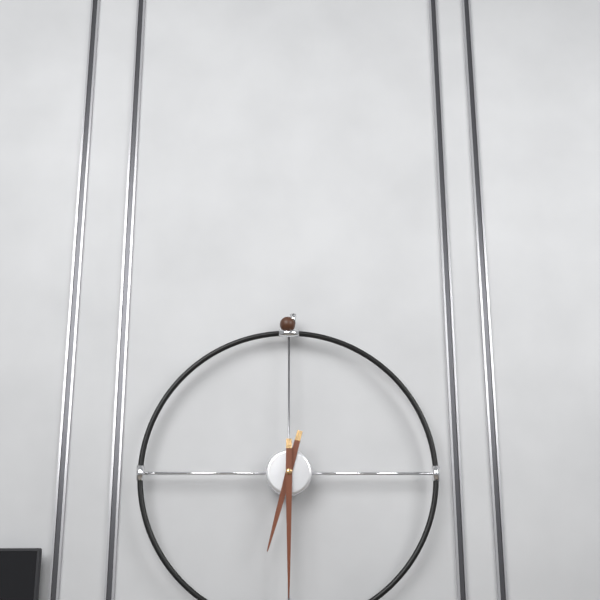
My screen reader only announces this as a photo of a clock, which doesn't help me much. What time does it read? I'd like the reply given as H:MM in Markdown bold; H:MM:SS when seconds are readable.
**6:30**
